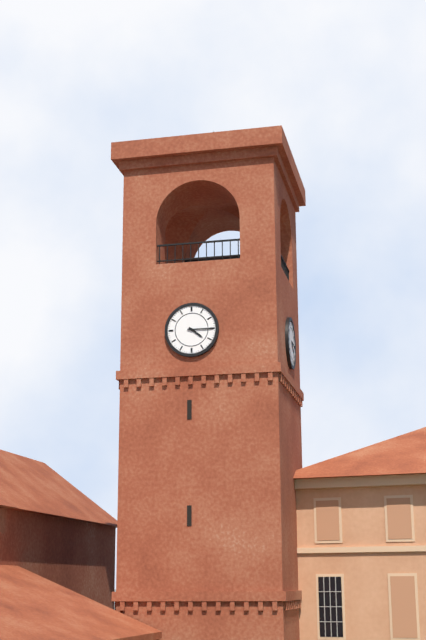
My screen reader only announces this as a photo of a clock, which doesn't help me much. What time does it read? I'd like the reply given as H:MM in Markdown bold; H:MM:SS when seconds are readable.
**4:15**
